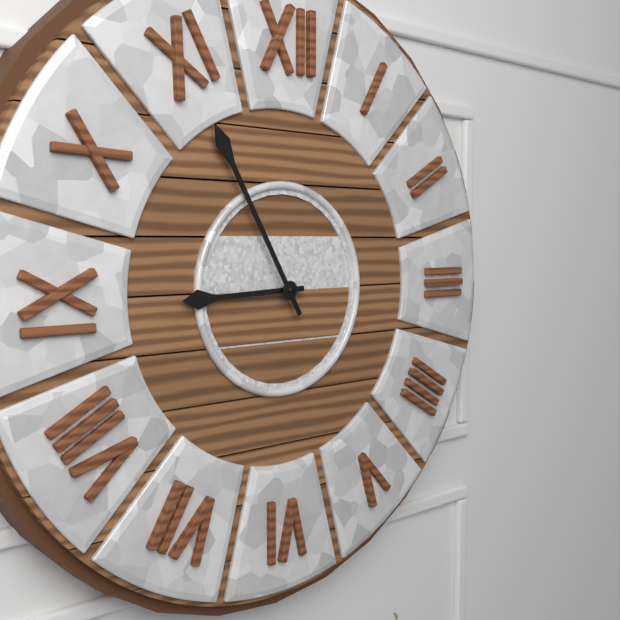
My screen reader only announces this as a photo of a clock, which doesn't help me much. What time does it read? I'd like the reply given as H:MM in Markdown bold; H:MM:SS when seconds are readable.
**8:55**
